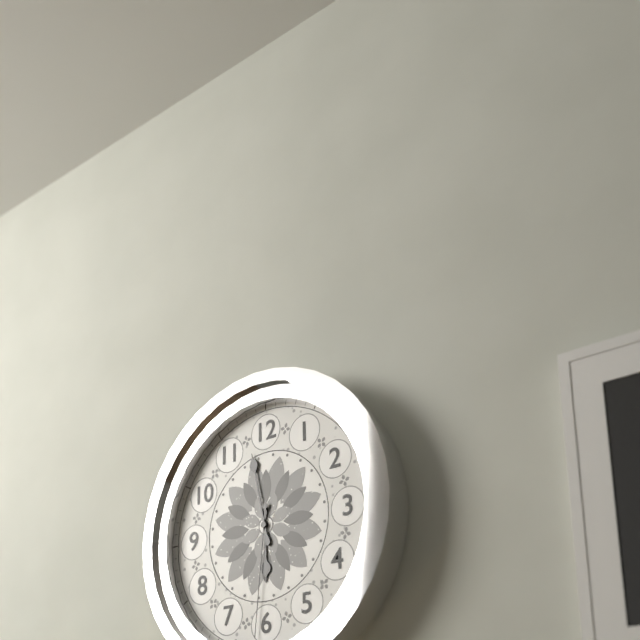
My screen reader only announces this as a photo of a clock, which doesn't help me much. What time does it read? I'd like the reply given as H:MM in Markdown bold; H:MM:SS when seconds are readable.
**5:58:31**
